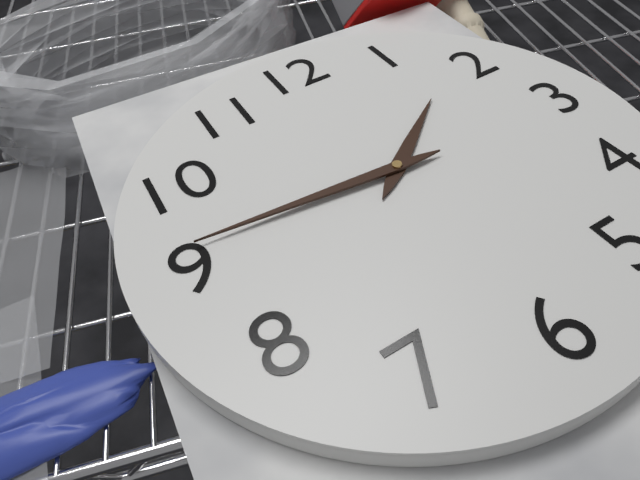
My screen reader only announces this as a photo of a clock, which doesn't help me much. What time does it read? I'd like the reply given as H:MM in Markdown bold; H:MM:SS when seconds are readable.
**1:46**
